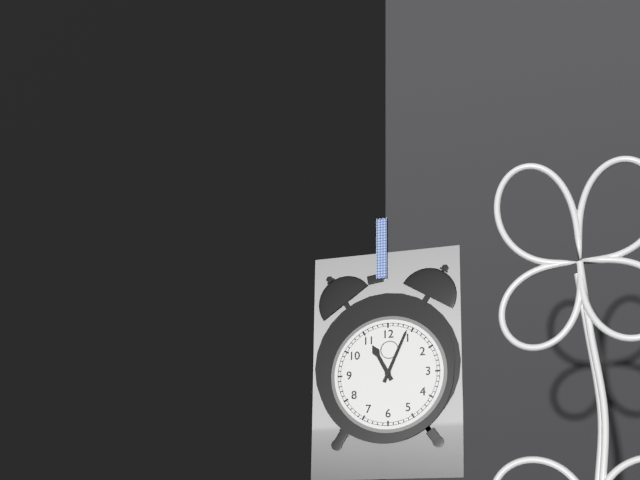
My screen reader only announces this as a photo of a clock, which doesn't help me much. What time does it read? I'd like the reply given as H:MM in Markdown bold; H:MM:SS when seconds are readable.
**11:04**
